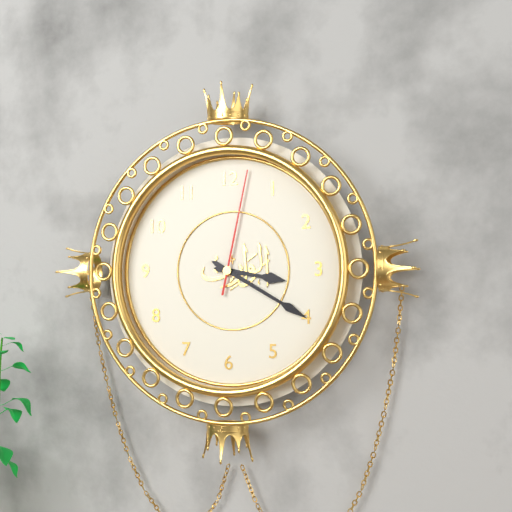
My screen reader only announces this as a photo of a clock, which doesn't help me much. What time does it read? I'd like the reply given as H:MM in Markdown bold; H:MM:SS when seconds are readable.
**3:20:02**
